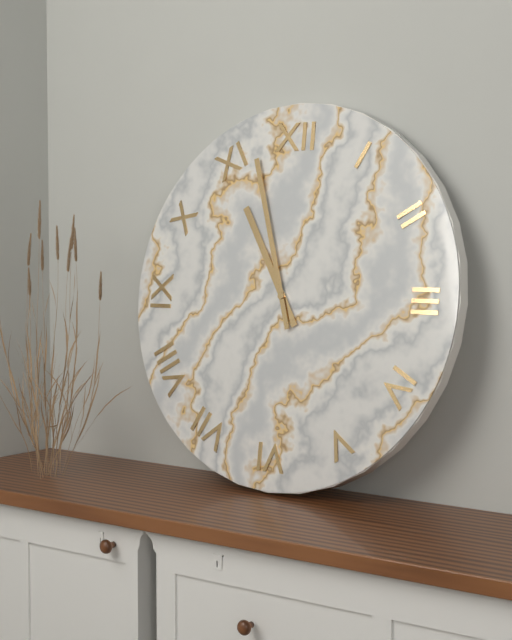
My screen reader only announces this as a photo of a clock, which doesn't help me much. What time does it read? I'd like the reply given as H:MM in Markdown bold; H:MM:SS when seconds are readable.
**10:57**
